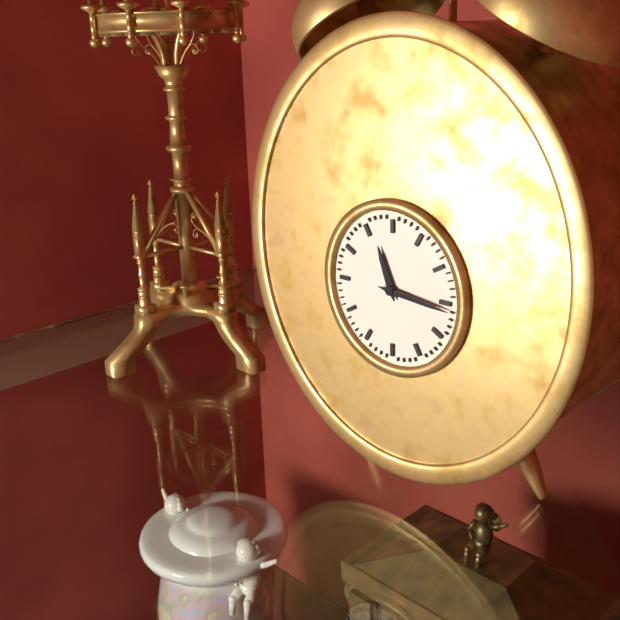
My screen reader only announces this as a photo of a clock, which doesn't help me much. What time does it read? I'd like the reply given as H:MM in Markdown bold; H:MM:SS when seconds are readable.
**11:16**
